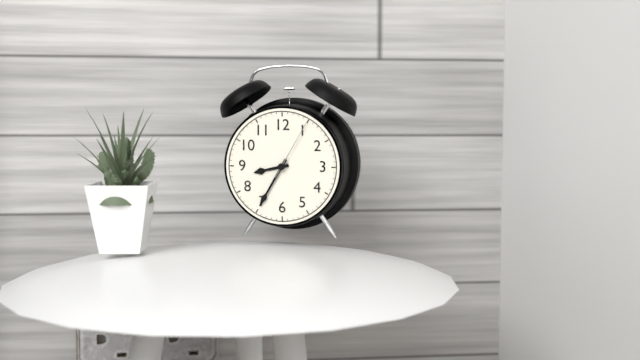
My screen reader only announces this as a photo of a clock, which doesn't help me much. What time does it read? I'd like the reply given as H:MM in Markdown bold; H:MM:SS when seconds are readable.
**8:35:05**
